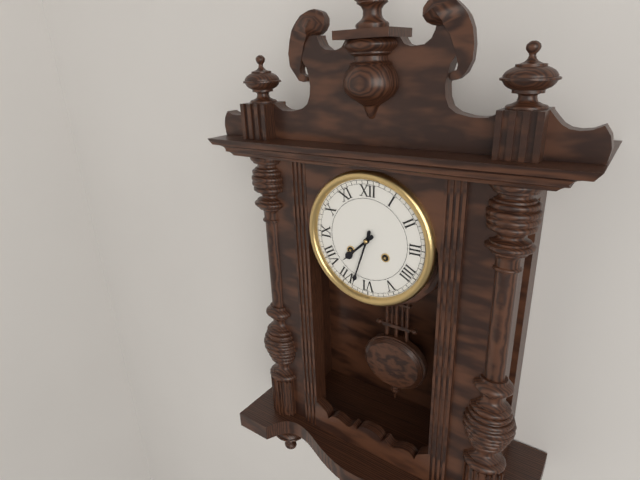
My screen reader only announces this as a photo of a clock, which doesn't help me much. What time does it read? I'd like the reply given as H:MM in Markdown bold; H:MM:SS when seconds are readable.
**7:33**
